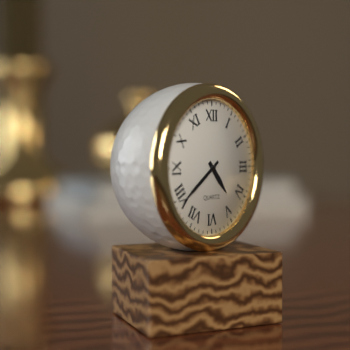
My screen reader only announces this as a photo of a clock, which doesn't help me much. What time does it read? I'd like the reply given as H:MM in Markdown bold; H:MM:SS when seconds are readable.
**4:39**
